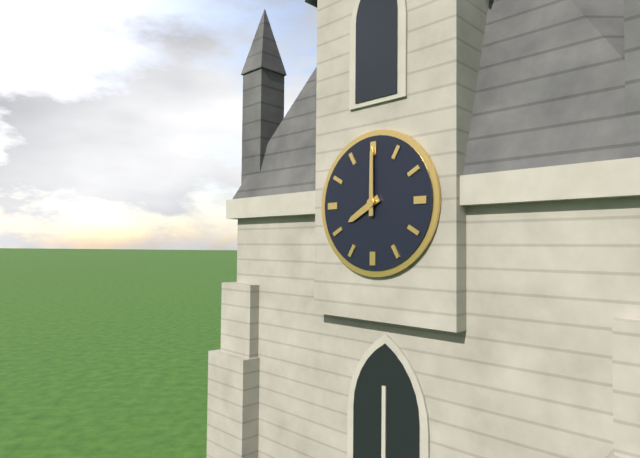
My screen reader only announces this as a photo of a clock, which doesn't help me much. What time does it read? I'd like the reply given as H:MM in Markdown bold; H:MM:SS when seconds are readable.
**8:00**
